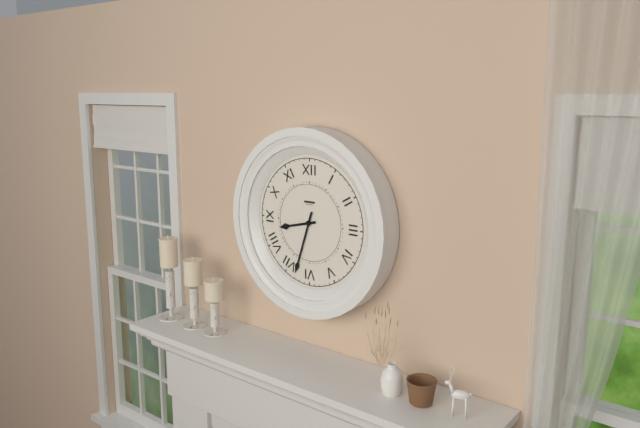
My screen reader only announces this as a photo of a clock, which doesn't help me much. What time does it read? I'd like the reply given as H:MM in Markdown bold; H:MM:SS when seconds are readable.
**8:33**
